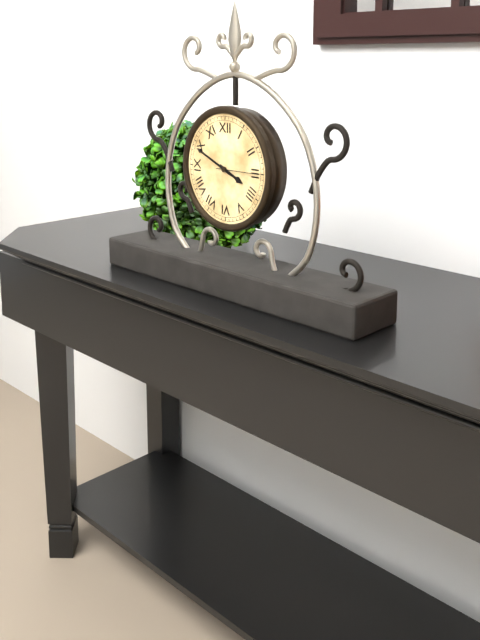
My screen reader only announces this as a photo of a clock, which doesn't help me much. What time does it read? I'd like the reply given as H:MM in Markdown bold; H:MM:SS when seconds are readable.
**3:49**
